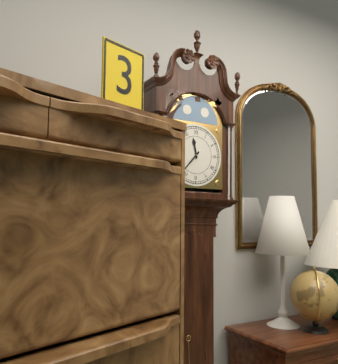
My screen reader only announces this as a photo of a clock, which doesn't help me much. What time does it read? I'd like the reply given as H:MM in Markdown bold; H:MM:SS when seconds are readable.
**11:37**
